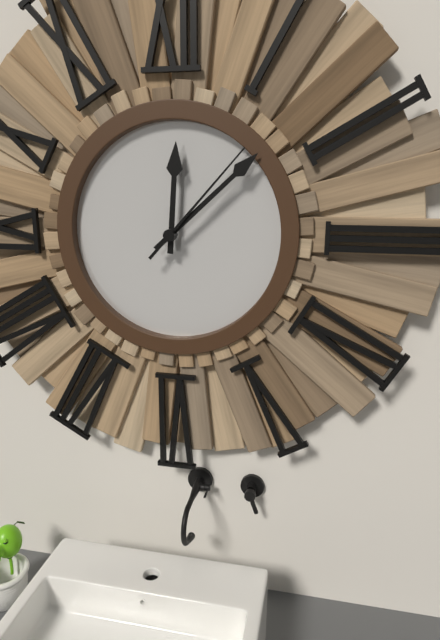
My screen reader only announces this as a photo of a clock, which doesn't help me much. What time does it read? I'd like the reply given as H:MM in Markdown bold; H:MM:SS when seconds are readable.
**12:08:07**
